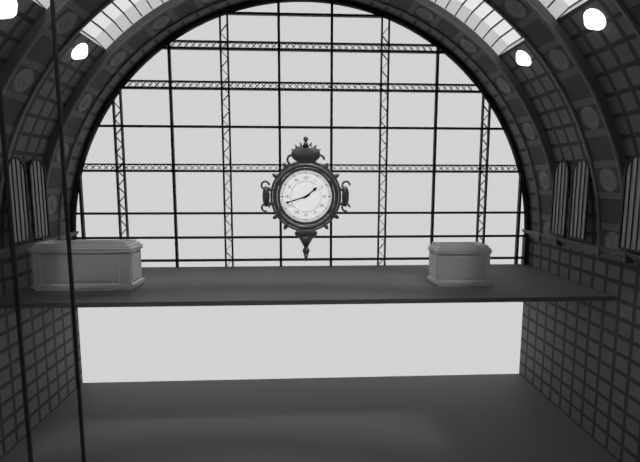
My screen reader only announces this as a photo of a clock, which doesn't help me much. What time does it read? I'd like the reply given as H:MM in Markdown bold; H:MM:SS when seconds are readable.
**1:42**
